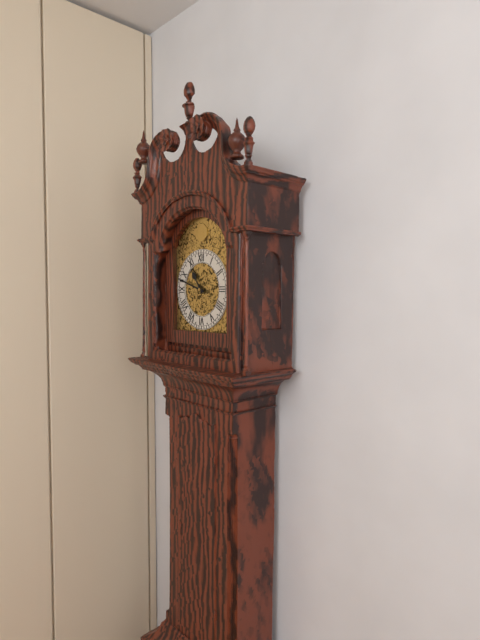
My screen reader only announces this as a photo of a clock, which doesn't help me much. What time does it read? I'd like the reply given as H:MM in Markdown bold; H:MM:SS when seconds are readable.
**10:48**
